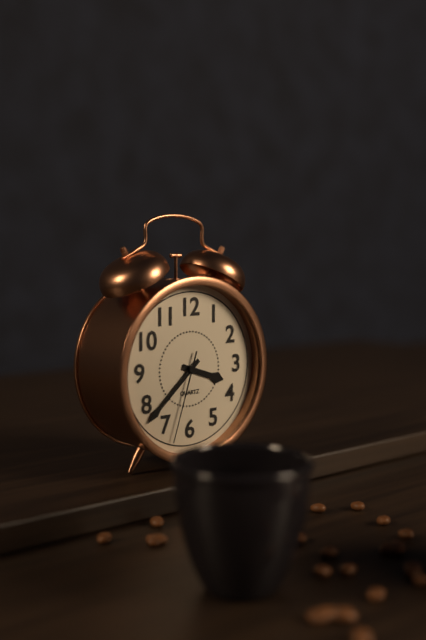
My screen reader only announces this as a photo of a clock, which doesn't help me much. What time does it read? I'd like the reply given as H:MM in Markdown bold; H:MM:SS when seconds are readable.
**3:38:33**
